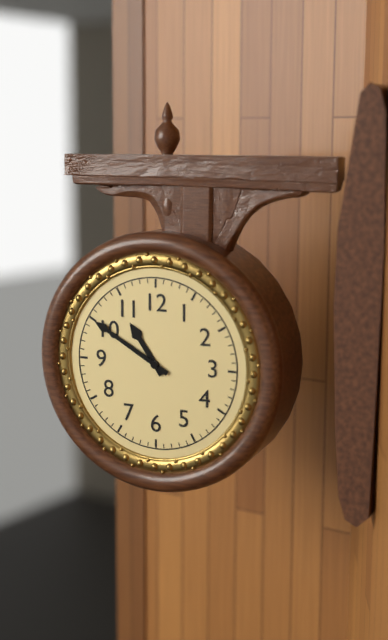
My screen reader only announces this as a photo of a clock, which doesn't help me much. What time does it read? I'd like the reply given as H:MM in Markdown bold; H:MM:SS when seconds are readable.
**10:50**
